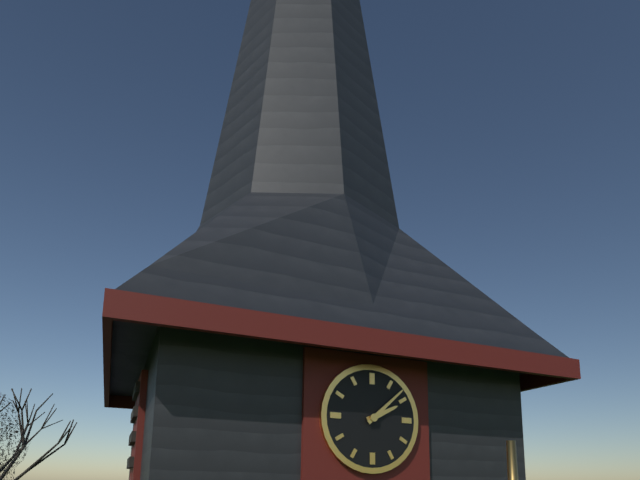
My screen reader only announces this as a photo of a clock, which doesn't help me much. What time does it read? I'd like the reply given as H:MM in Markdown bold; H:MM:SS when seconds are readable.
**2:08**
